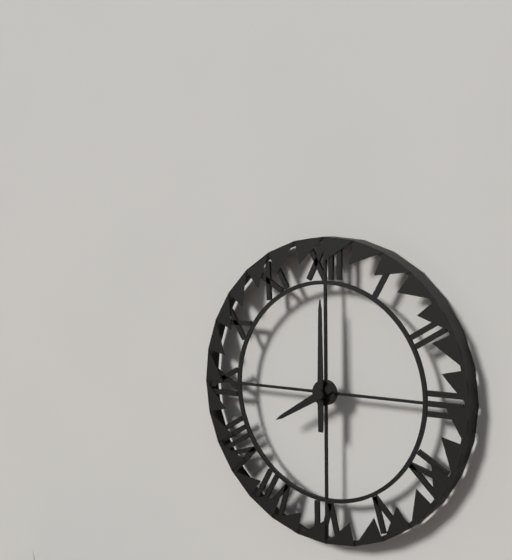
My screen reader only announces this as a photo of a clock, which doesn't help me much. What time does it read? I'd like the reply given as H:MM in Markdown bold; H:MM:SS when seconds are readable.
**8:00**
